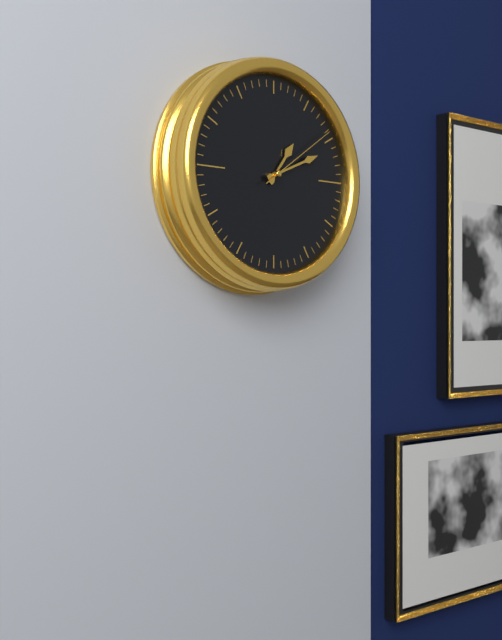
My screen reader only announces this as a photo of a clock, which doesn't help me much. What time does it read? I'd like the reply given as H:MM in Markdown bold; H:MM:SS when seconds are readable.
**1:11:09**
